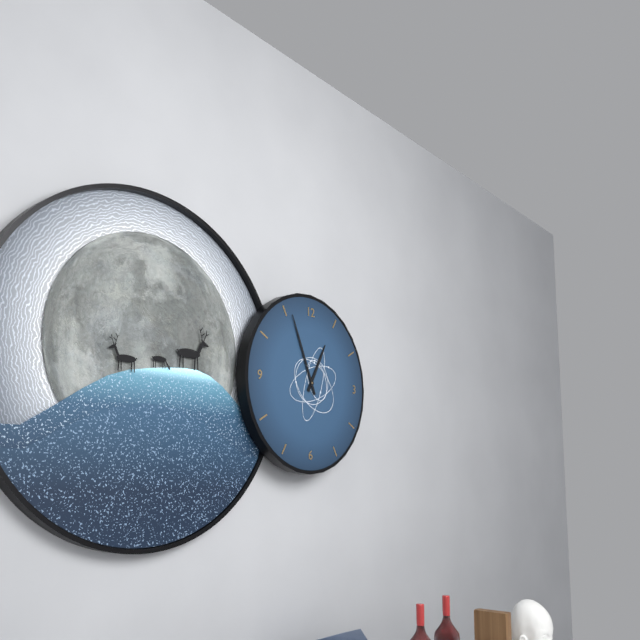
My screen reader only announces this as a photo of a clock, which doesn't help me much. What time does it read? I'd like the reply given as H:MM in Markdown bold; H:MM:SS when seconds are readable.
**12:56**
